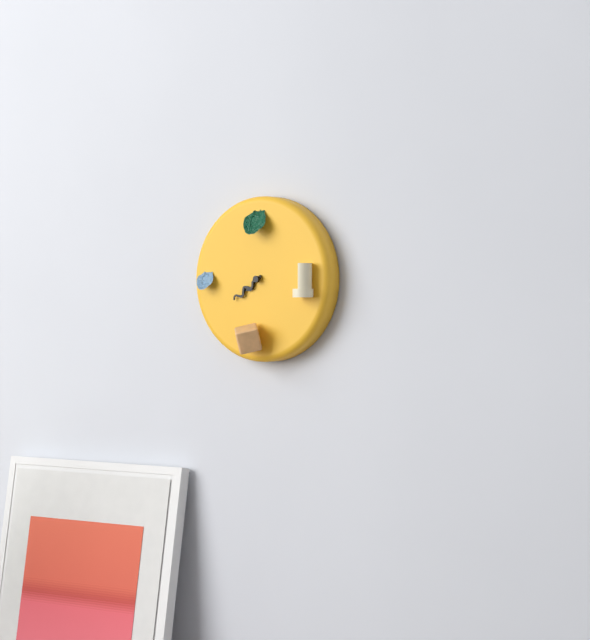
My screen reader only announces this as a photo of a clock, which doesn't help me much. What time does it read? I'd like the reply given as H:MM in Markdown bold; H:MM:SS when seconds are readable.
**7:39**
